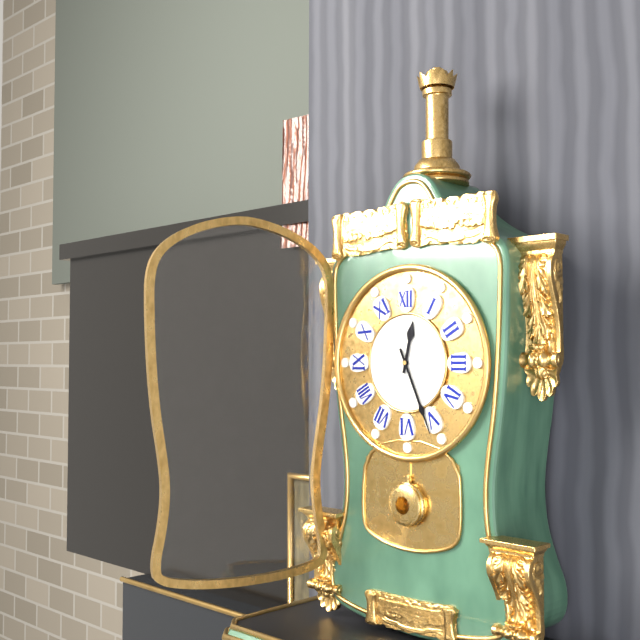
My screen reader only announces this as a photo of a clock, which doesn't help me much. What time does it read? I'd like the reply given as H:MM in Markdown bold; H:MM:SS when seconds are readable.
**12:26**
